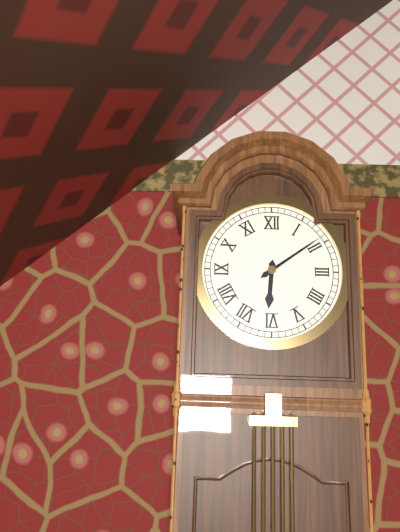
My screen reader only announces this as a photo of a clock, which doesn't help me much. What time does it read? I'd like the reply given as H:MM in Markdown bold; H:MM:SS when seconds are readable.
**6:09**
